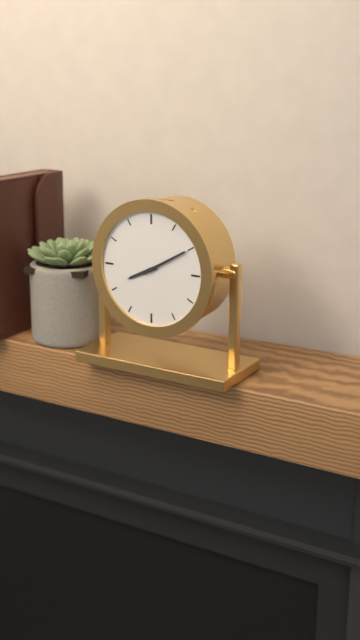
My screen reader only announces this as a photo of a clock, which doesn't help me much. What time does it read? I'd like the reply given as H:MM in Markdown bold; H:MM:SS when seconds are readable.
**8:10**
